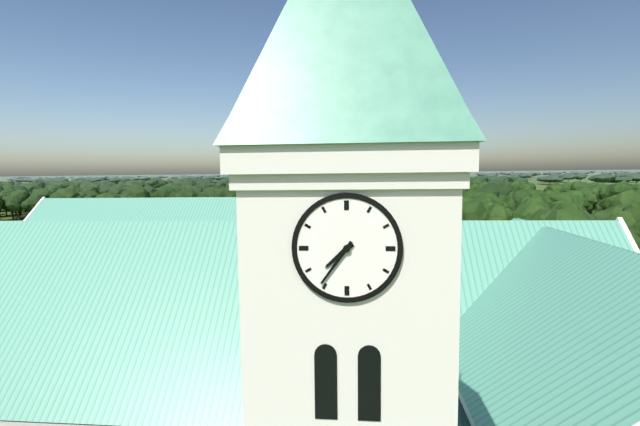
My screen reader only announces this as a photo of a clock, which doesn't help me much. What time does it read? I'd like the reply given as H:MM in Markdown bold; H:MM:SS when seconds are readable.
**7:36**
